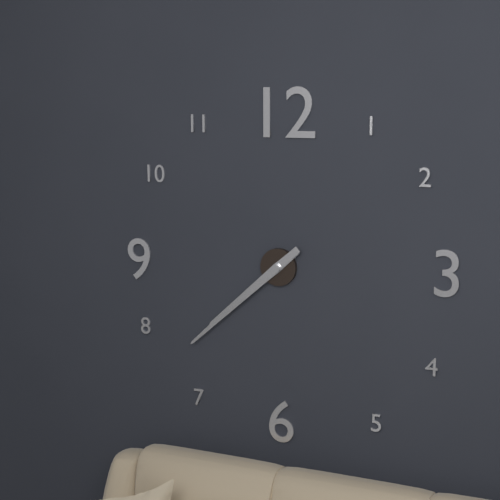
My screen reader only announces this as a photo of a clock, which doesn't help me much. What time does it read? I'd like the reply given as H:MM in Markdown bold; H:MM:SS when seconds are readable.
**7:38**
